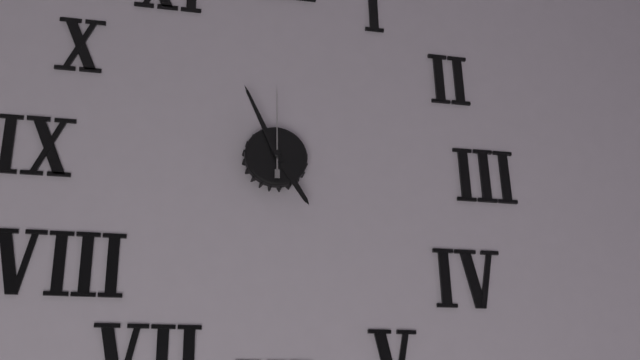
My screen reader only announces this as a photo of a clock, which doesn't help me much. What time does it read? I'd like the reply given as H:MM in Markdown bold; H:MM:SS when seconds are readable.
**4:56:00**
